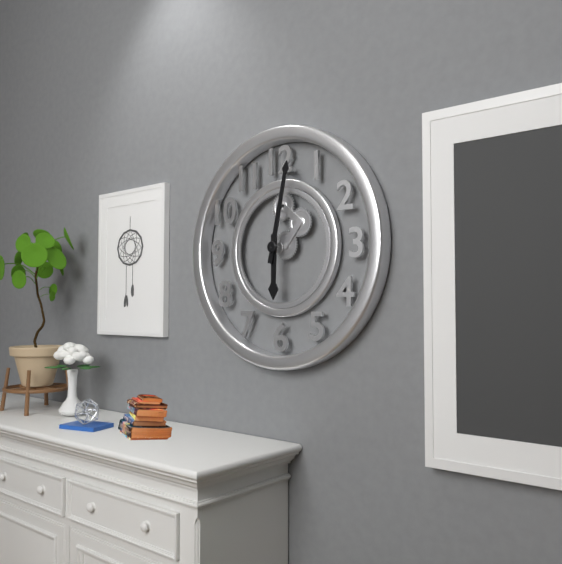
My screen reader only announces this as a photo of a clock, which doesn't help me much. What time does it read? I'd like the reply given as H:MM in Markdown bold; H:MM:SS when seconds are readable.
**6:02**
